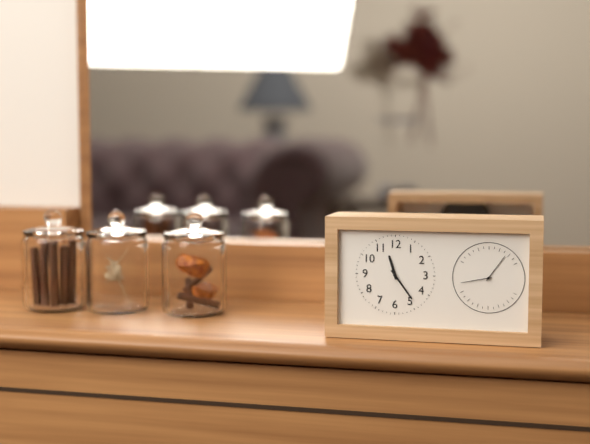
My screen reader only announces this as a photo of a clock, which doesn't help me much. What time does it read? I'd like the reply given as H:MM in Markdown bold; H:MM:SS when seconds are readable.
**11:24**
